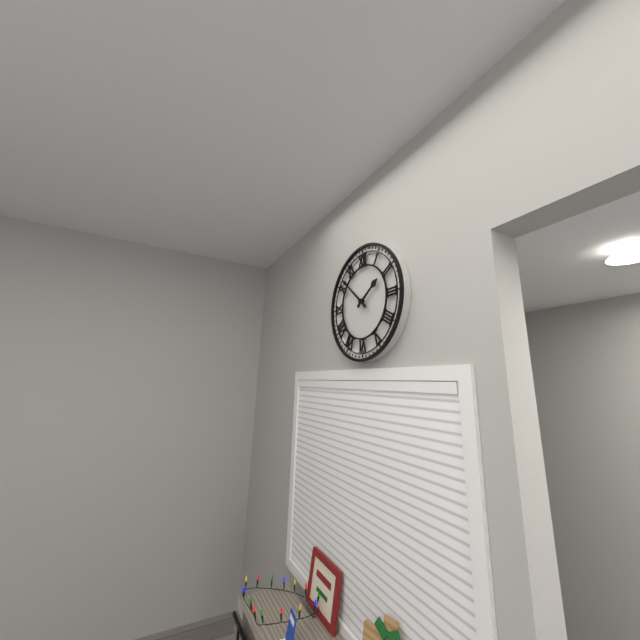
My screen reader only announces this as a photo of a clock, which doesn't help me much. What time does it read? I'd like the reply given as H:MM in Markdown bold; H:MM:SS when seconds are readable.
**1:52**
